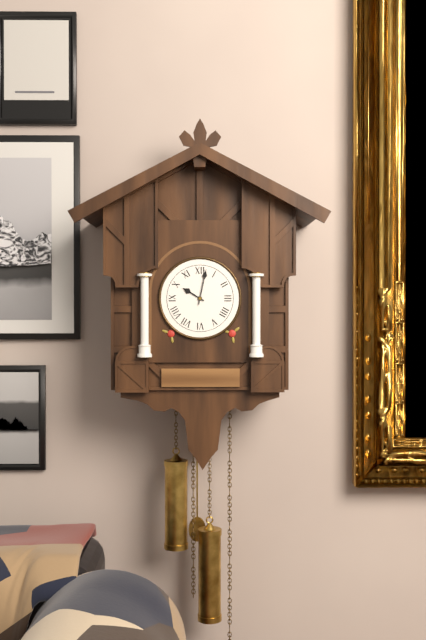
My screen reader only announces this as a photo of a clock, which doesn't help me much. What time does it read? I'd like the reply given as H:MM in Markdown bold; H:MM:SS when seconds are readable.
**10:02**
